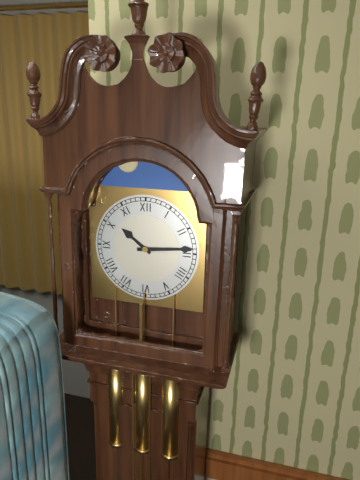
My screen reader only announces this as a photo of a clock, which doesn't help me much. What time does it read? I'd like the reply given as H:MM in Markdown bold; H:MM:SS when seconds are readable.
**10:14**
